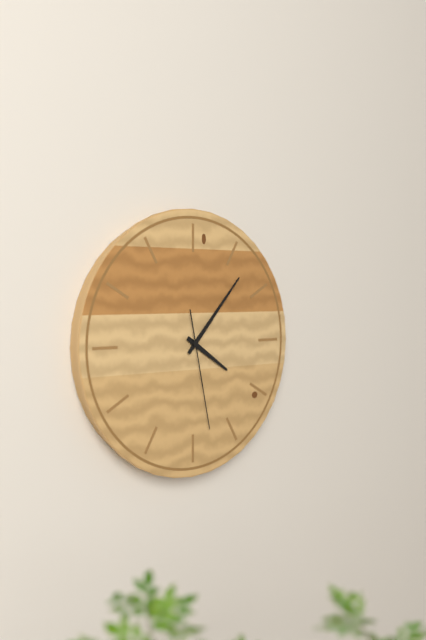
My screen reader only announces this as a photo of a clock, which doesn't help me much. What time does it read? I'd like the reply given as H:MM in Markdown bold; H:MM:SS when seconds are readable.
**4:07:28**
